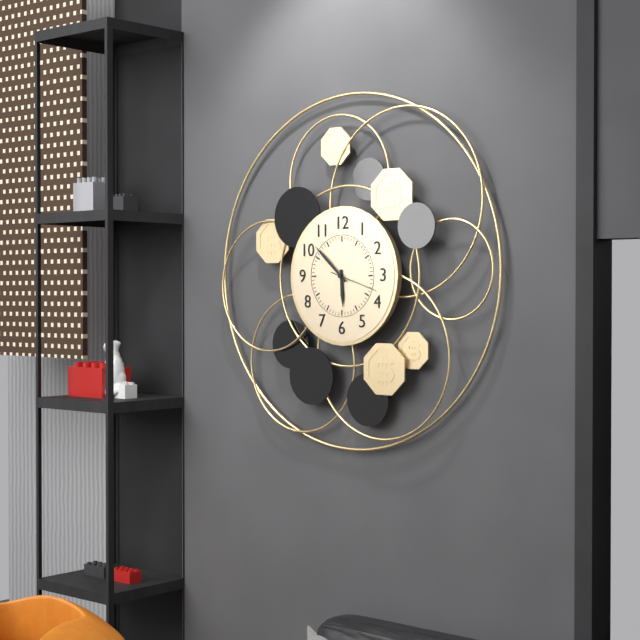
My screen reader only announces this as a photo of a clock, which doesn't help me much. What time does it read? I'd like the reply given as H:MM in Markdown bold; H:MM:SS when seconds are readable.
**5:52**
